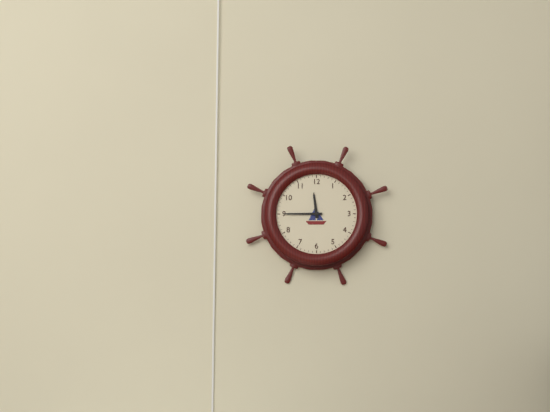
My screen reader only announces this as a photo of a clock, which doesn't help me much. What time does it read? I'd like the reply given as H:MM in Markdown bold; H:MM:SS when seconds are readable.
**11:45**
